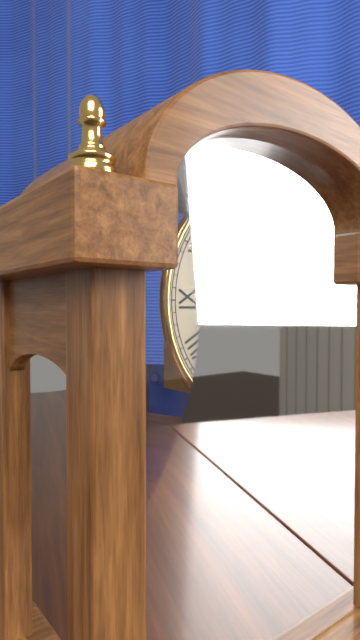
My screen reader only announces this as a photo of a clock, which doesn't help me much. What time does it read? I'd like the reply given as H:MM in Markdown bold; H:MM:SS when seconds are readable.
**7:11**
